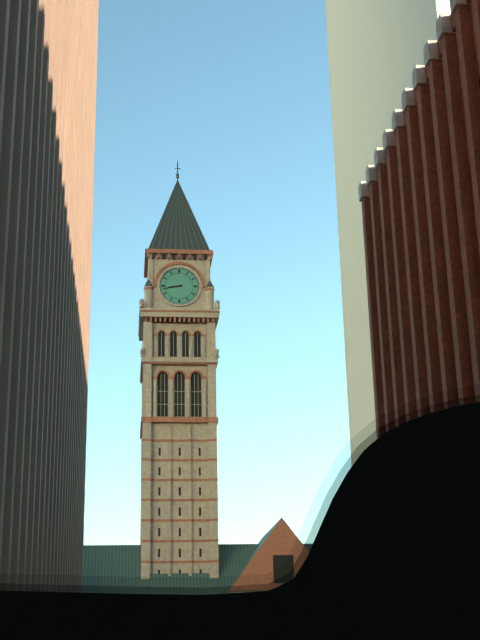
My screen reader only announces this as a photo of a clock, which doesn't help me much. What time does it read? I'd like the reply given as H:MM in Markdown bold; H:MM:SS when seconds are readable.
**8:43**
